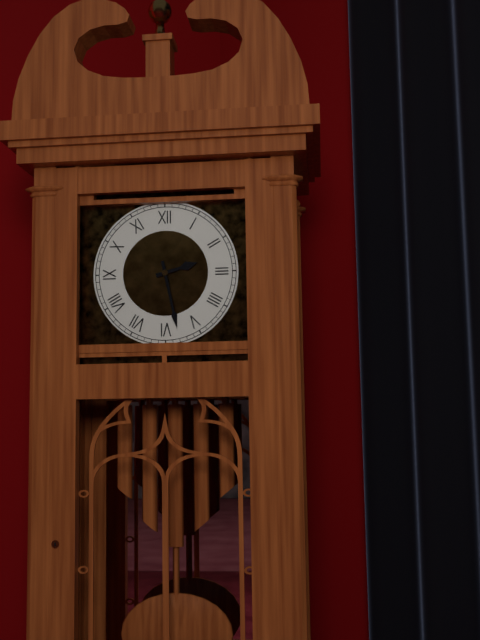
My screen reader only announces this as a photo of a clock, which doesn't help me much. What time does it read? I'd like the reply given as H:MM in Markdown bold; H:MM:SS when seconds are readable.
**2:28**
